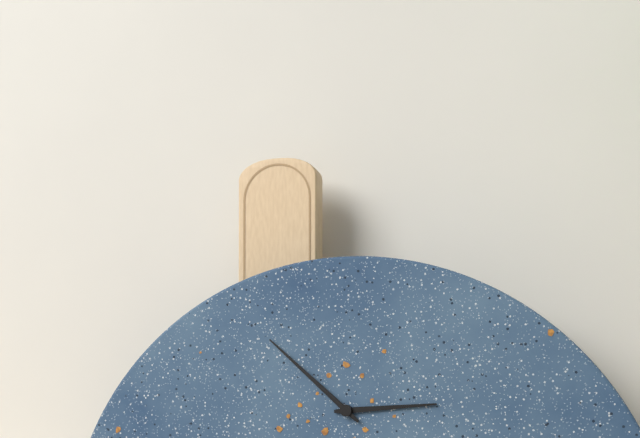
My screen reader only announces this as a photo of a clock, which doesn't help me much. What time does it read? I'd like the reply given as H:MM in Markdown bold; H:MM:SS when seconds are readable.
**2:52**
